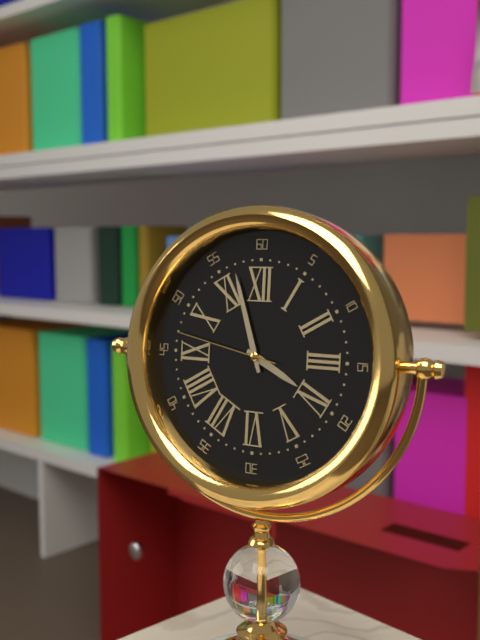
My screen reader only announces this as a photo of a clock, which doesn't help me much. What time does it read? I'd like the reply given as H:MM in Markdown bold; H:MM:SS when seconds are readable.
**3:57:47**
